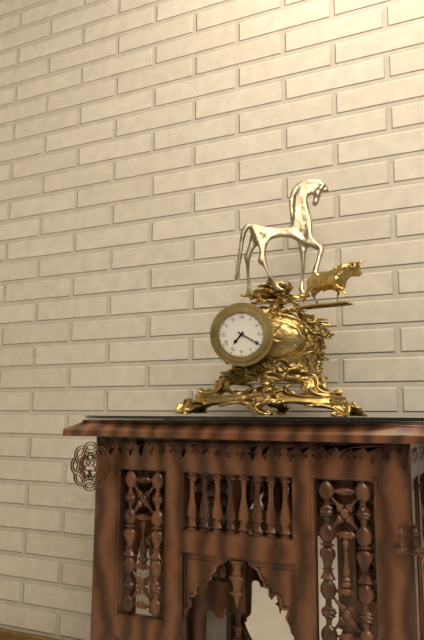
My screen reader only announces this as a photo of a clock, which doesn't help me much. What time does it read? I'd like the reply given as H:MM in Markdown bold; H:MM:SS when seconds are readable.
**7:20**
